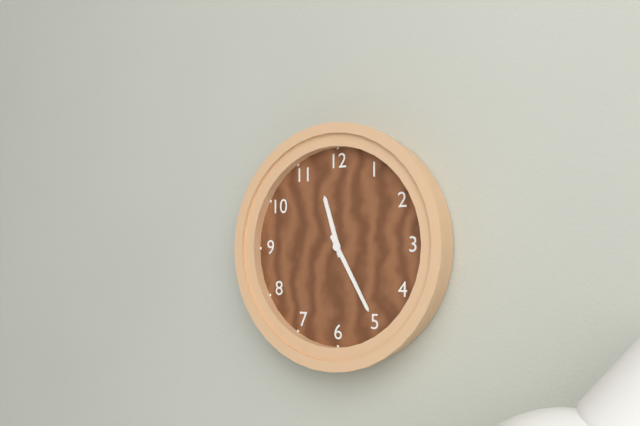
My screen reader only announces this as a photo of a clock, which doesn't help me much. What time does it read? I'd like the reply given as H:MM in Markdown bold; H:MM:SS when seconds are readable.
**11:25**
